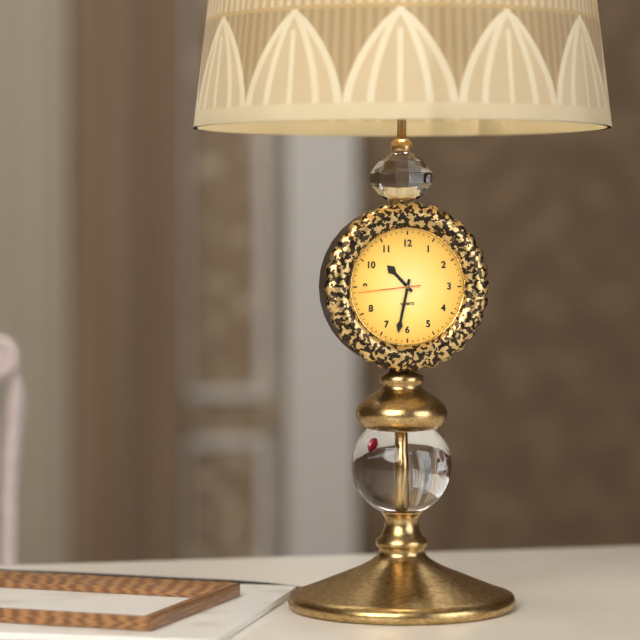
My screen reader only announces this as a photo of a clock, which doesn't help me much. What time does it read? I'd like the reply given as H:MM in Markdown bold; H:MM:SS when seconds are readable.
**10:32:44**
